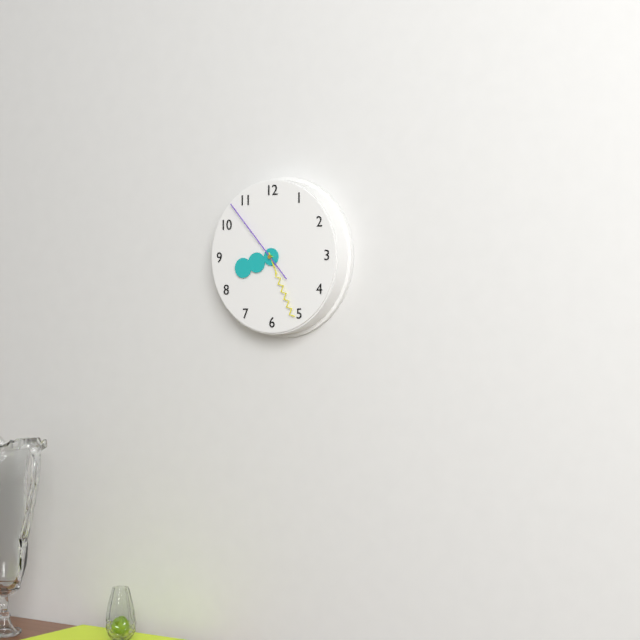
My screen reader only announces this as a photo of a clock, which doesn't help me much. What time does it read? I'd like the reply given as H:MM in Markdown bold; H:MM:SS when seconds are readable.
**8:26:53**
